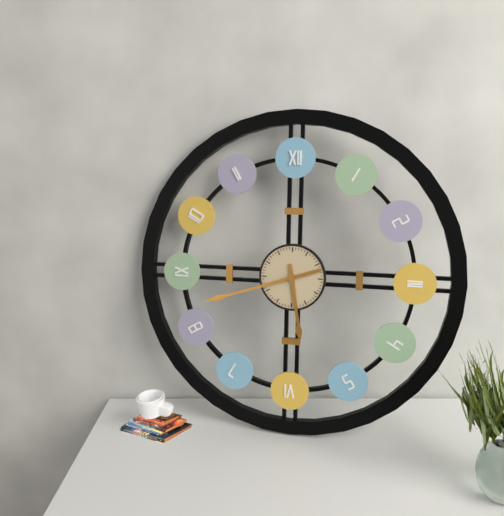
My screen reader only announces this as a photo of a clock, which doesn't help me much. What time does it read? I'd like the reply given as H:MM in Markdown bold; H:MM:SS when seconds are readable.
**5:42**
